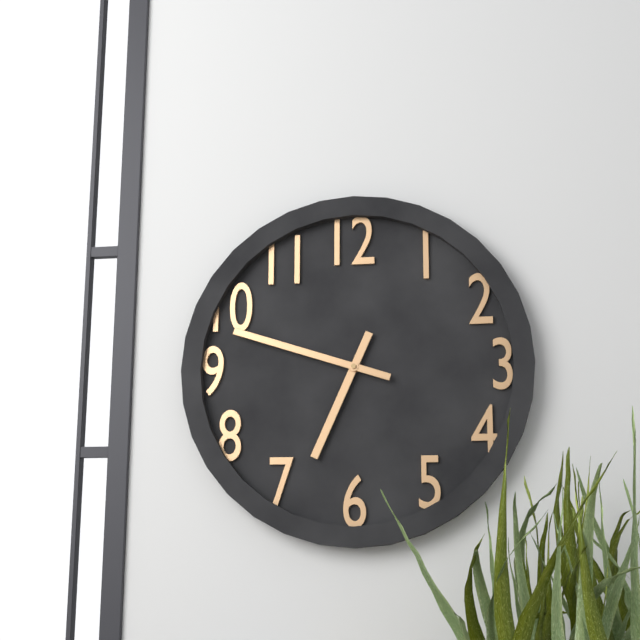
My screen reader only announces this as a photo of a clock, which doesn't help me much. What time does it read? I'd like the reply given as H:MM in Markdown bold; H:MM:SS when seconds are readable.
**6:48**
